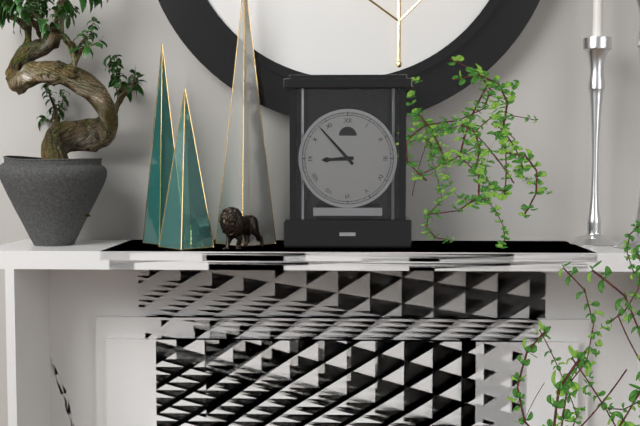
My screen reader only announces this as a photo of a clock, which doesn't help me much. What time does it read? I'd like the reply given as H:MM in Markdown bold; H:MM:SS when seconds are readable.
**8:53**
